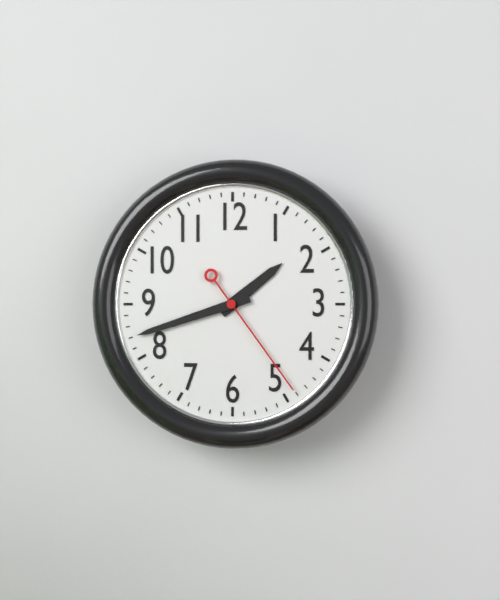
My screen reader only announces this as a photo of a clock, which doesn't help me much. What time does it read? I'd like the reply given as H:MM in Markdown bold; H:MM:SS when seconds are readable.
**1:42:24**
